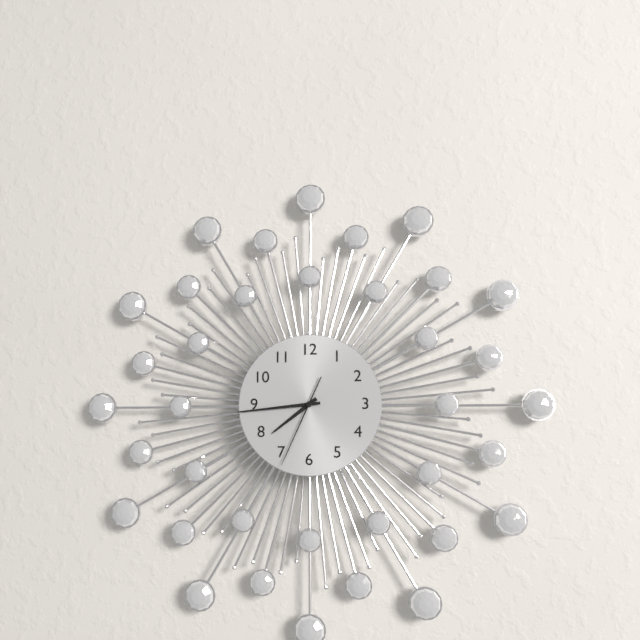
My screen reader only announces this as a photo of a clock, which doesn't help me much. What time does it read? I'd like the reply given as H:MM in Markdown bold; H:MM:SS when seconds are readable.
**7:44:34**
